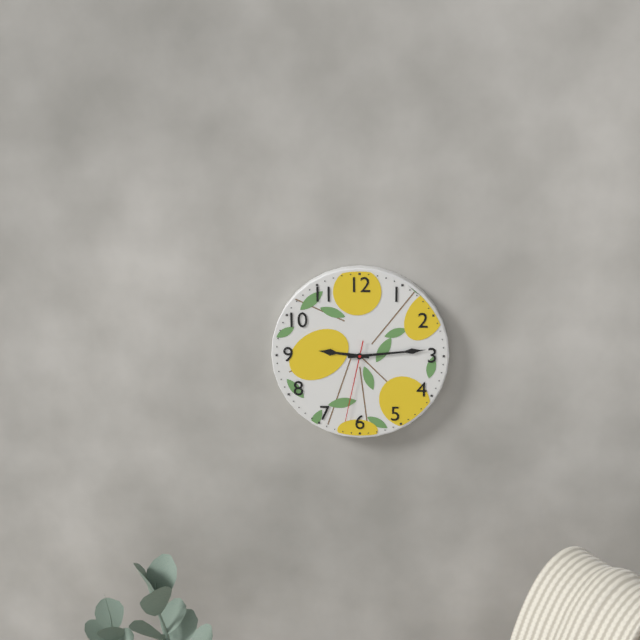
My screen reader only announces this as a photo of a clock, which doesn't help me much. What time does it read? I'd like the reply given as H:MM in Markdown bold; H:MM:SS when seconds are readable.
**9:14:32**
